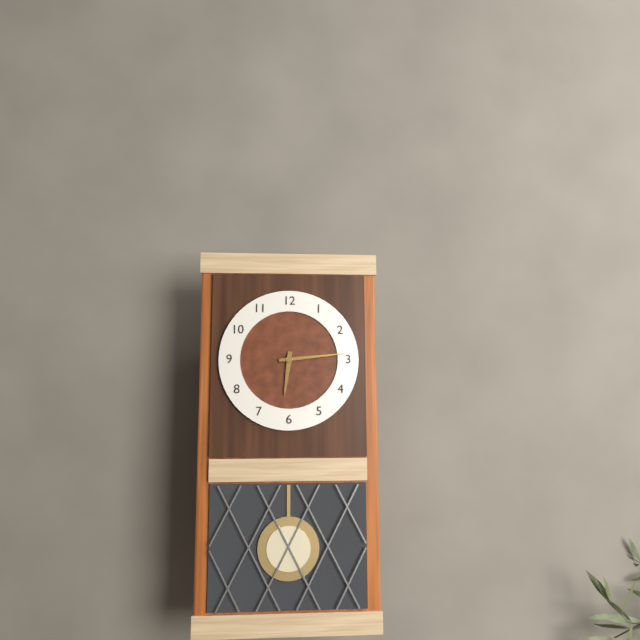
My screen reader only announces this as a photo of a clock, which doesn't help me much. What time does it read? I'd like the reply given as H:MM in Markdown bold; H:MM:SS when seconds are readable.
**6:14**
